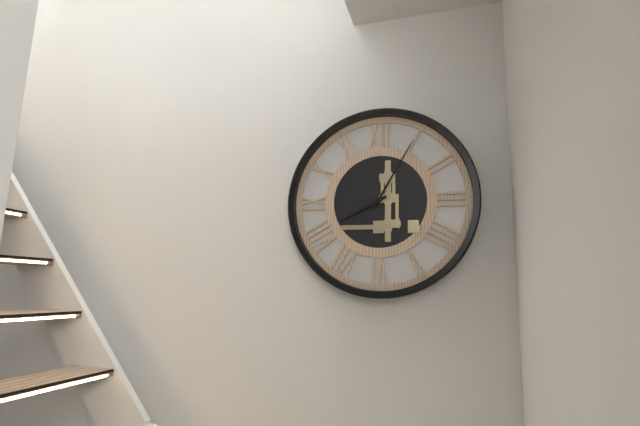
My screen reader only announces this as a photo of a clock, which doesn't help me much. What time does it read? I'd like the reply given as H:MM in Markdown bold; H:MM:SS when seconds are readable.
**8:05**
